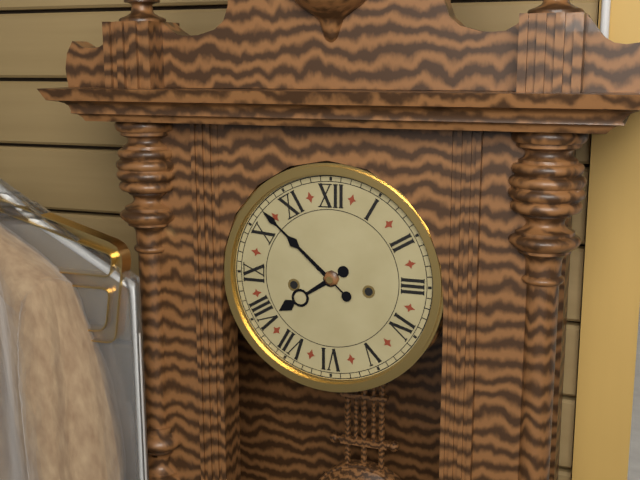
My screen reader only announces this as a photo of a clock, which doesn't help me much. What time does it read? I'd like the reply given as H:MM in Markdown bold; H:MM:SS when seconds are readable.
**7:52**
